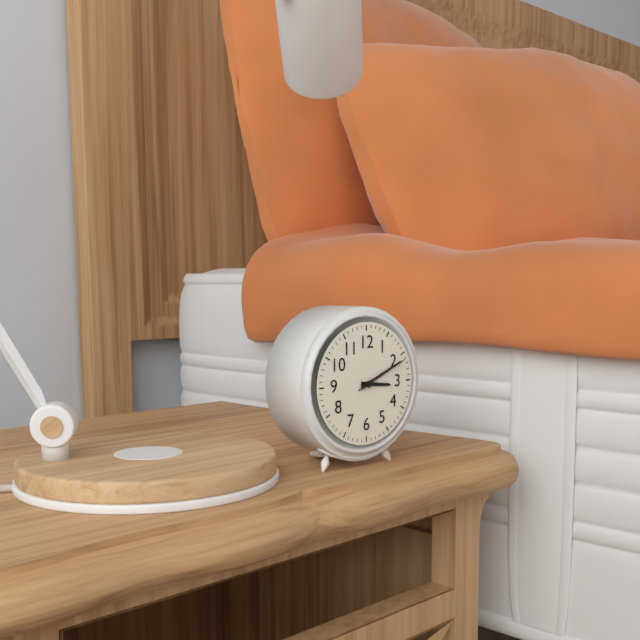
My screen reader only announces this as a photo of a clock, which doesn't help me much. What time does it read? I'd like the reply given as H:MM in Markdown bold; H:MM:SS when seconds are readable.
**3:11:11**
